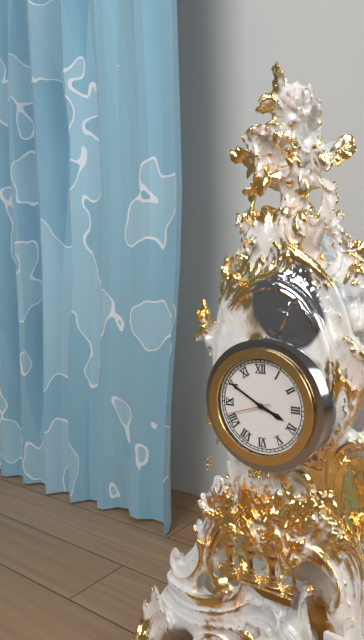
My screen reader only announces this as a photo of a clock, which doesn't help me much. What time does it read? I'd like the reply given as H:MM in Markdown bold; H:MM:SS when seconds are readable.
**3:50**
